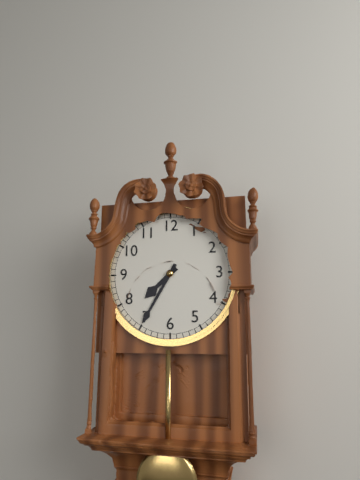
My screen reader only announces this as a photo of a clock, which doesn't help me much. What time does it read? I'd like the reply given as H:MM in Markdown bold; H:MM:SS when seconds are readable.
**7:35**
